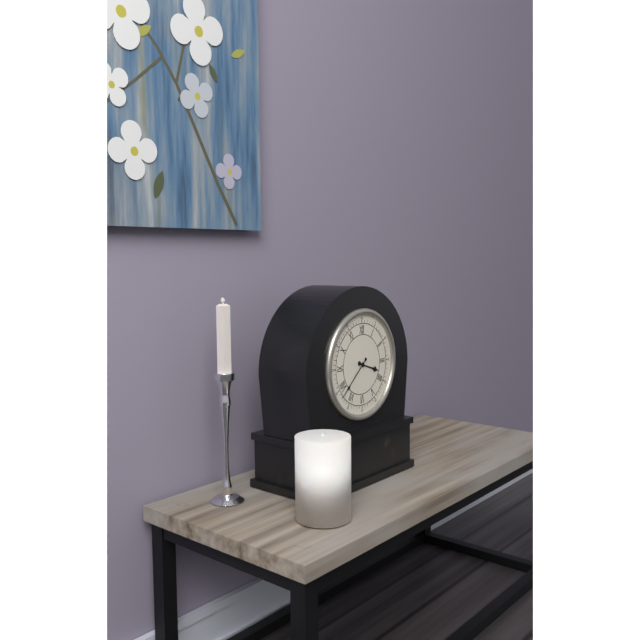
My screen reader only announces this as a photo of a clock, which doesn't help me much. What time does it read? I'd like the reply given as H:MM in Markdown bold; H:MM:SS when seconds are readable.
**3:38**
